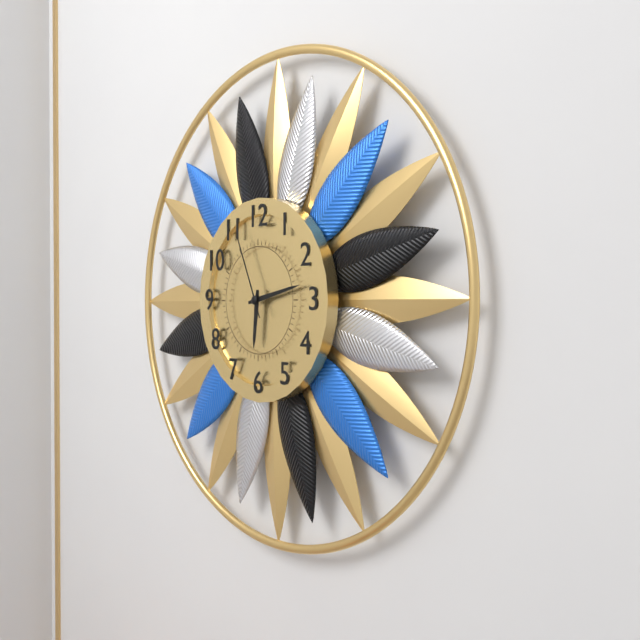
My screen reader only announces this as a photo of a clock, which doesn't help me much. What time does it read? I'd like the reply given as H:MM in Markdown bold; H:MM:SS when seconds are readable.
**6:13:56**
